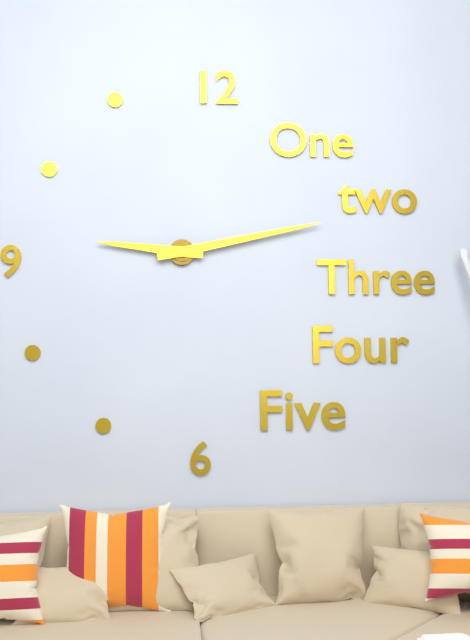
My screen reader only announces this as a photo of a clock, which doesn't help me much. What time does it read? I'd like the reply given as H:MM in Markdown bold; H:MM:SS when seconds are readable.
**9:13**
